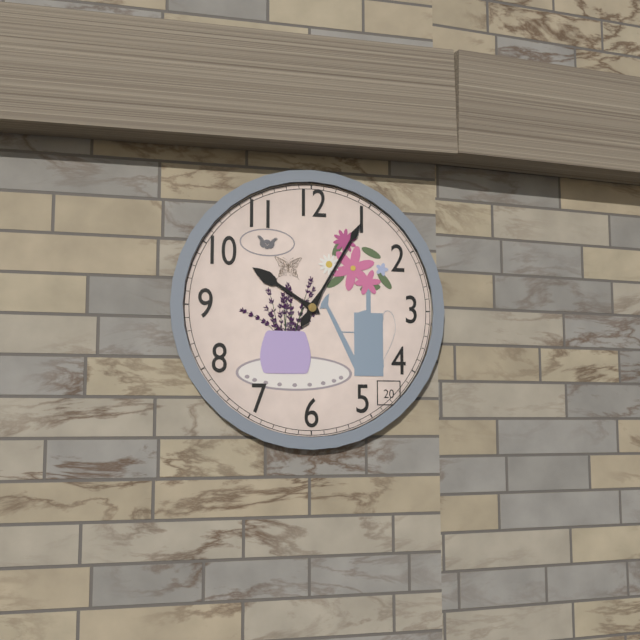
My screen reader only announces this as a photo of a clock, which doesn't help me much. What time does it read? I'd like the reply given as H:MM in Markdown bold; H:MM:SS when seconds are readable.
**10:05**
